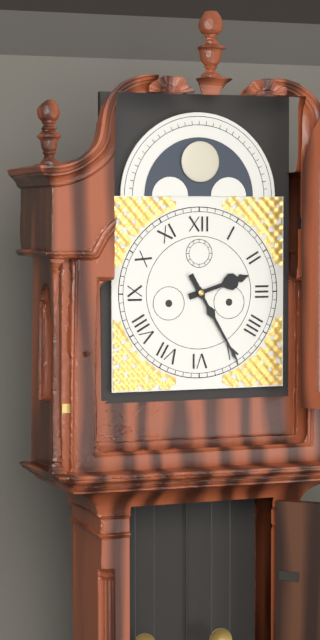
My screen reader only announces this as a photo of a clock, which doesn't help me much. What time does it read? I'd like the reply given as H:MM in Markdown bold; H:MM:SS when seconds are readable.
**2:25**
